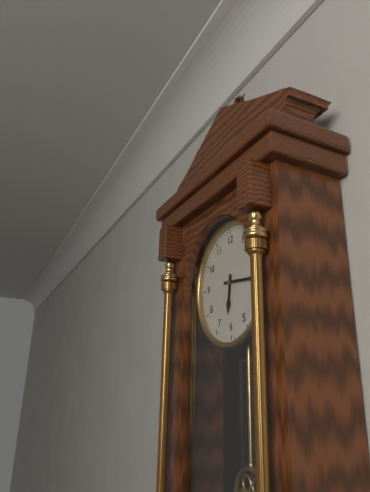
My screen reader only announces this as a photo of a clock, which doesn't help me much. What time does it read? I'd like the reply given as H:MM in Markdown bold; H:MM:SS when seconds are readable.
**6:16**
